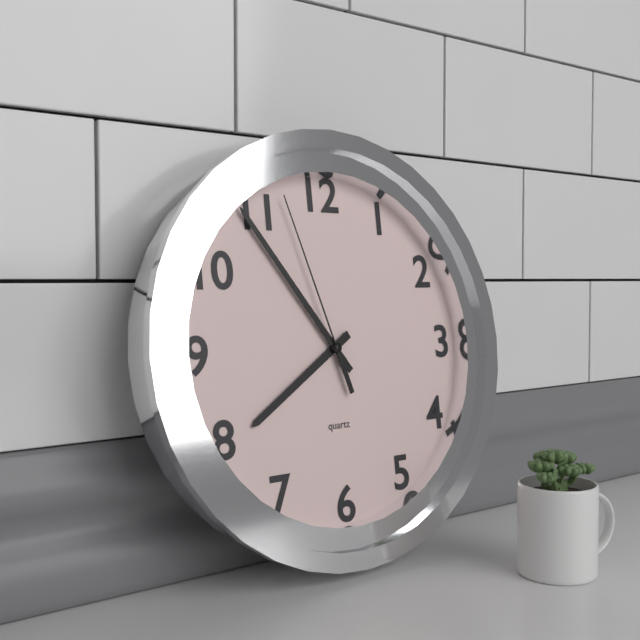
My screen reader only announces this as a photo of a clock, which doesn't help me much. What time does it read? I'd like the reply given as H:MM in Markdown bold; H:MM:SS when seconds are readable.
**7:54:57**
